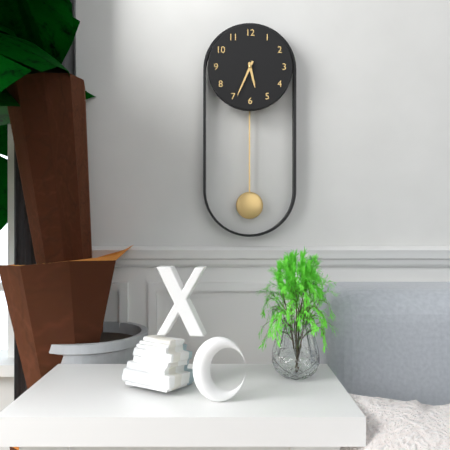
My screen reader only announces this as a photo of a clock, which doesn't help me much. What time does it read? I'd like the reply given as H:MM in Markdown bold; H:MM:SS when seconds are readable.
**5:34**
